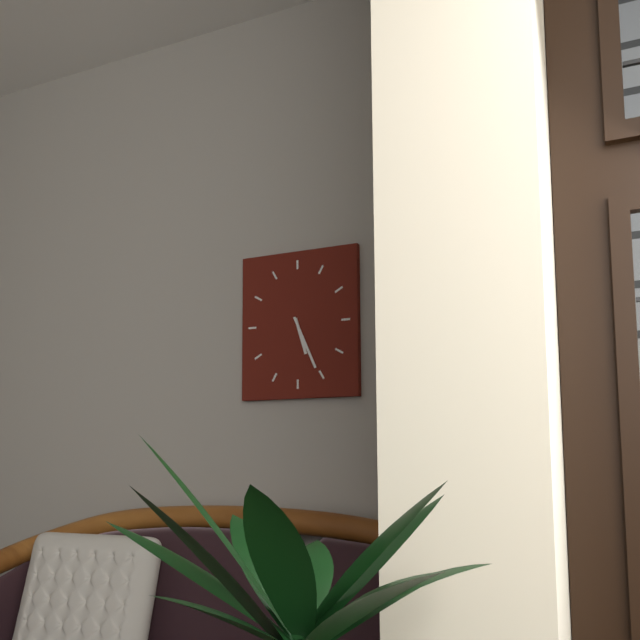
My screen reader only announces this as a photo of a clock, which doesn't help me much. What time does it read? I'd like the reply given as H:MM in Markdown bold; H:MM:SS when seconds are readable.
**5:26**
